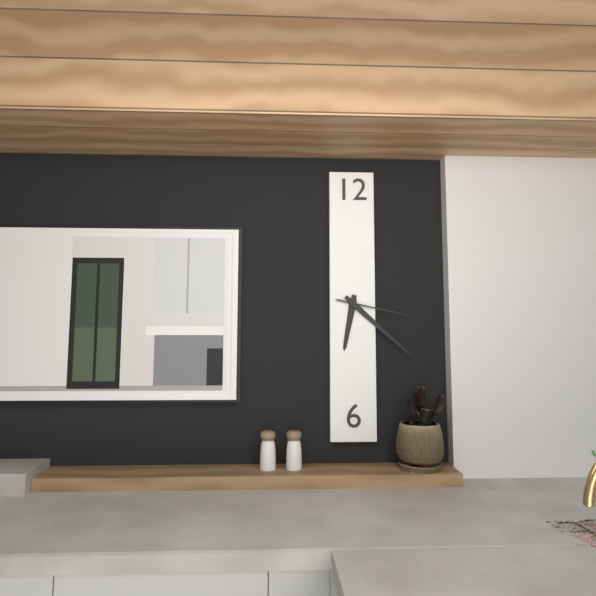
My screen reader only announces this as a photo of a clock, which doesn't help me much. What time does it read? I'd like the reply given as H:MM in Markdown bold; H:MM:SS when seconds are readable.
**6:22:17**
